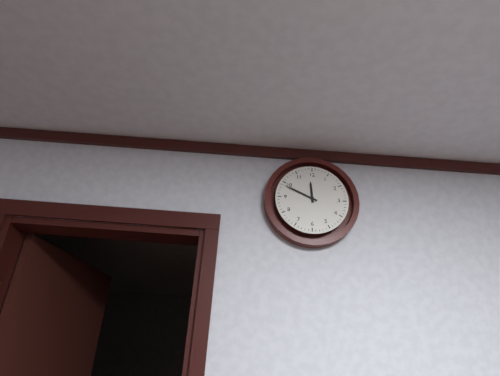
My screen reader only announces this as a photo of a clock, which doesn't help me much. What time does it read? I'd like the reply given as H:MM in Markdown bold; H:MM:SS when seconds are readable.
**11:49**
